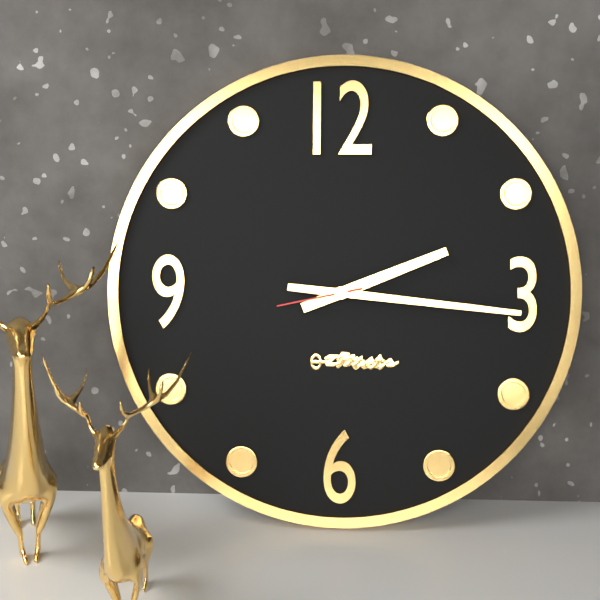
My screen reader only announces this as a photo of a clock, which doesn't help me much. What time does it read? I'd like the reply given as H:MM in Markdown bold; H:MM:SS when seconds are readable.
**2:16:43**
